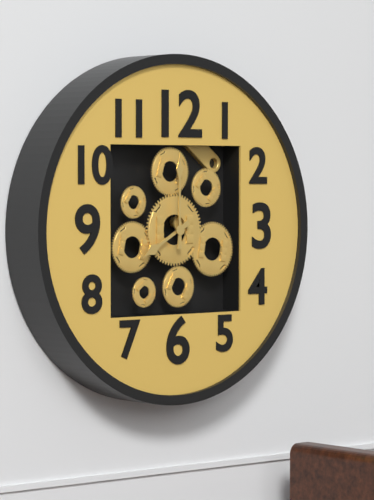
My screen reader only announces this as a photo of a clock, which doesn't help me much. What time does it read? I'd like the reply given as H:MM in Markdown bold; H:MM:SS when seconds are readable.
**8:00**
